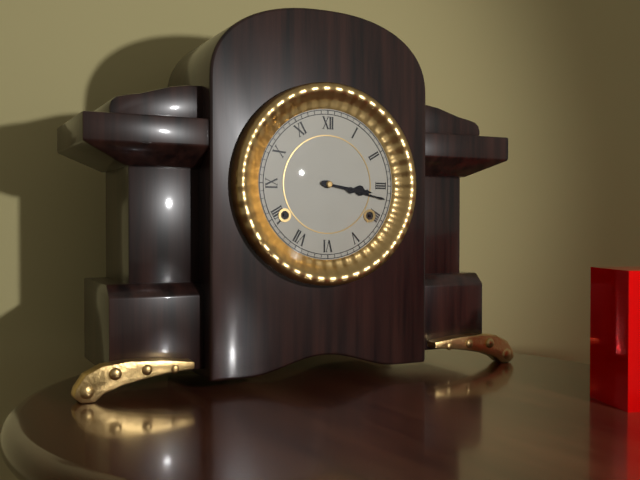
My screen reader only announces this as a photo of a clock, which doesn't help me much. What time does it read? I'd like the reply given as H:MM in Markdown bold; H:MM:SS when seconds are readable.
**3:17**
